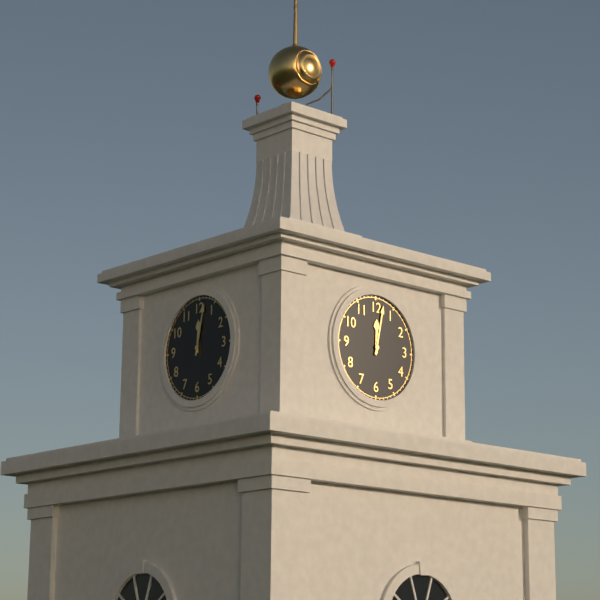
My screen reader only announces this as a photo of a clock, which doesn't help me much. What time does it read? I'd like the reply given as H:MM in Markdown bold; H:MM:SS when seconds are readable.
**12:02**
